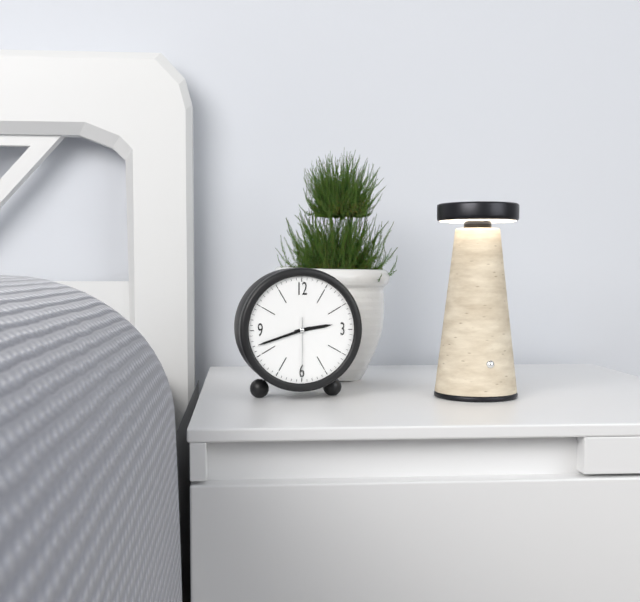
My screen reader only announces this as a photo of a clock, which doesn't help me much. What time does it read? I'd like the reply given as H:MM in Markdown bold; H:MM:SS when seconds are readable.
**2:42:30**
